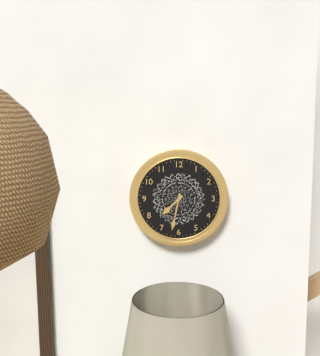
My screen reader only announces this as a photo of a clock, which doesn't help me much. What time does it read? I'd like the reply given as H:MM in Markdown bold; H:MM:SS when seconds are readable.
**7:32**
